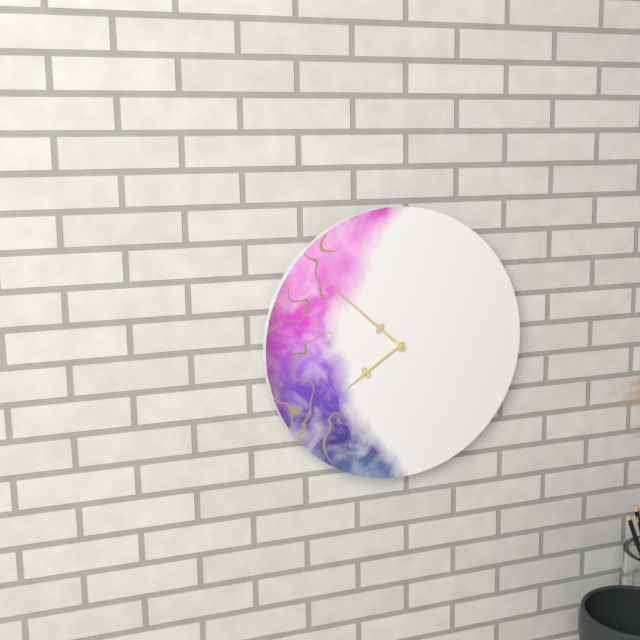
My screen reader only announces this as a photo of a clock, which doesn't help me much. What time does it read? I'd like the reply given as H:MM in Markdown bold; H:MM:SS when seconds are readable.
**7:52**
